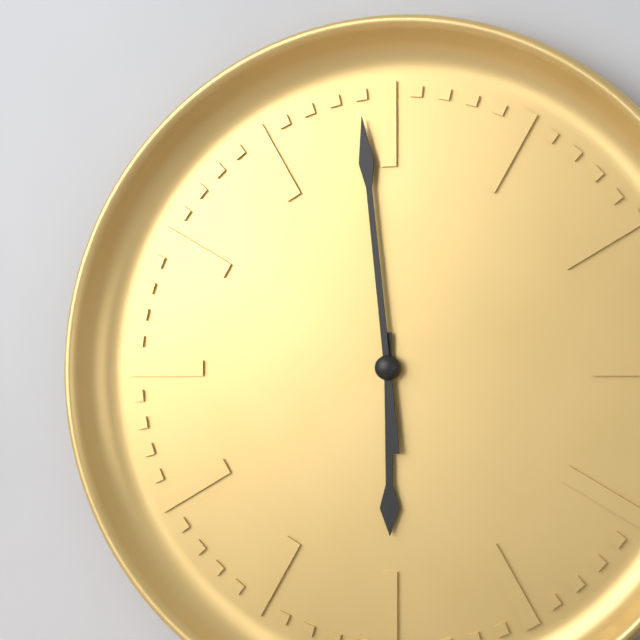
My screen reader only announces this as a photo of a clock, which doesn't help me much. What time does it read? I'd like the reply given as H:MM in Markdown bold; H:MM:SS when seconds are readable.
**5:59**
